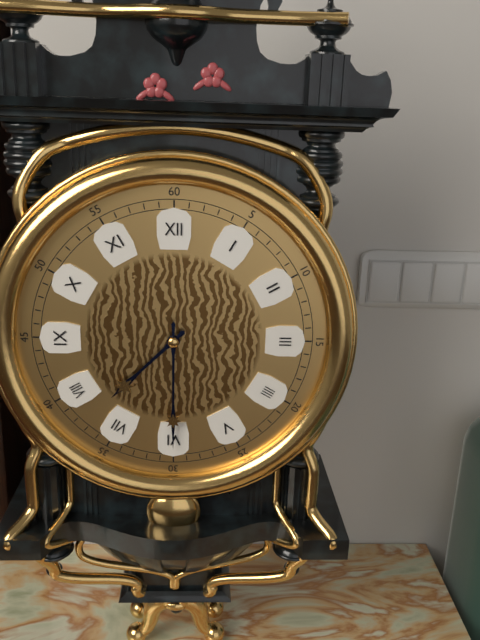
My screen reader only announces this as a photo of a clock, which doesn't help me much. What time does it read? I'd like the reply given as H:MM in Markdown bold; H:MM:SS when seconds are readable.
**7:30**
